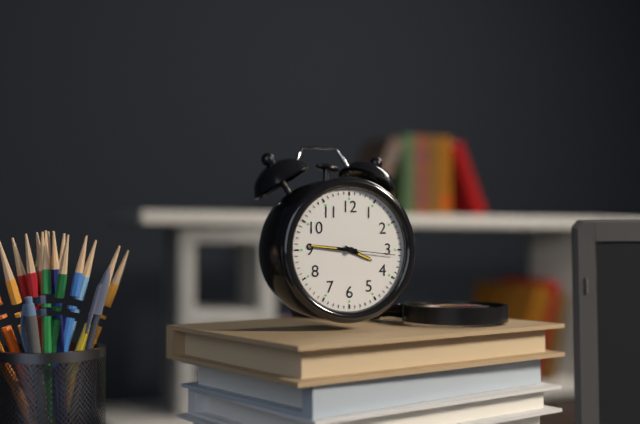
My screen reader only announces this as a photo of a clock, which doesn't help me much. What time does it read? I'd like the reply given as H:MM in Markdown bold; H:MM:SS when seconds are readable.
**3:46:16**
